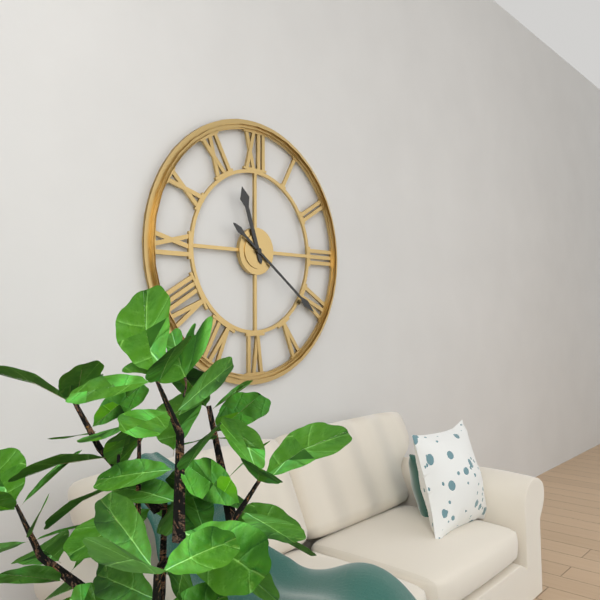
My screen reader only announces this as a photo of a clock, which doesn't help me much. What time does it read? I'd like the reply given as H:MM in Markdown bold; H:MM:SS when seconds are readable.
**11:21**
